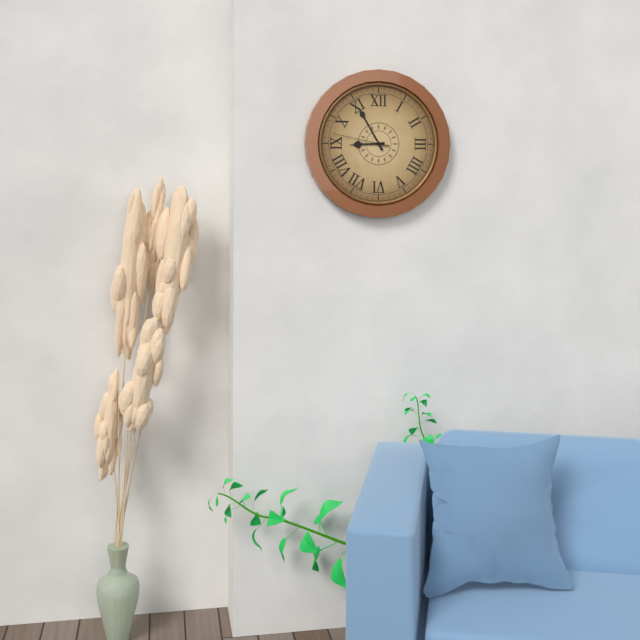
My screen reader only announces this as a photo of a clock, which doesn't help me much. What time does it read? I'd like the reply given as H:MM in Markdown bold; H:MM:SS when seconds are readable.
**8:55:47**
